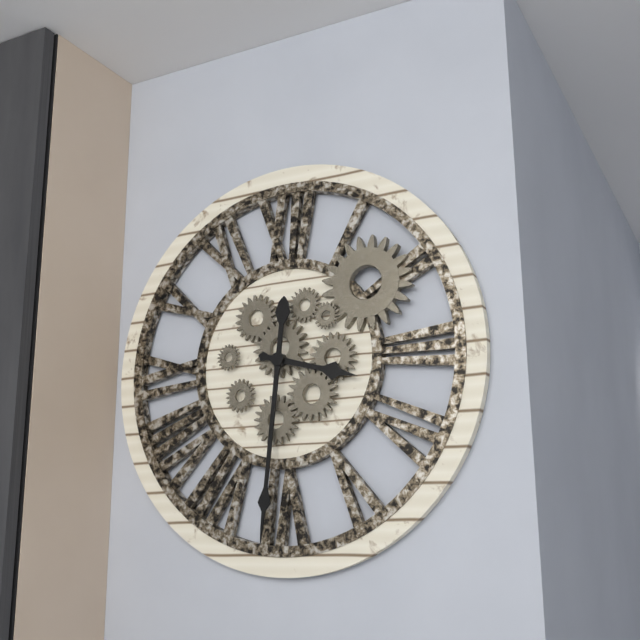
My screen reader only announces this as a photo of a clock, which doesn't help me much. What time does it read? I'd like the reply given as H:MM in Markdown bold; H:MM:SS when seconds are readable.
**3:31**
